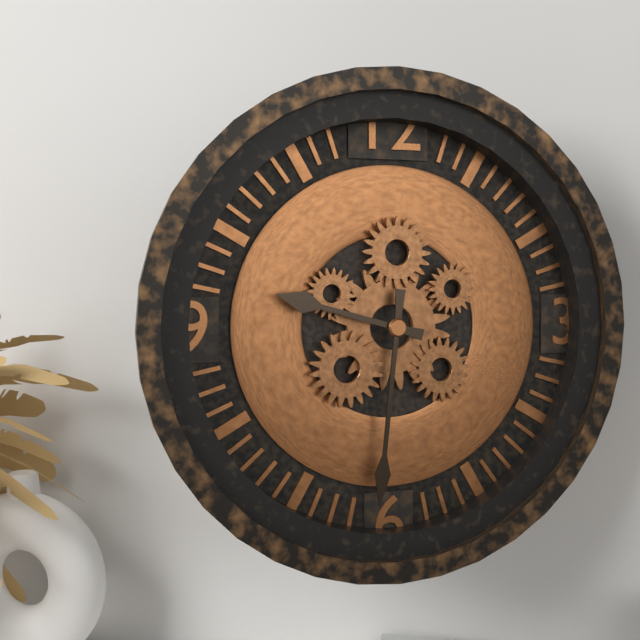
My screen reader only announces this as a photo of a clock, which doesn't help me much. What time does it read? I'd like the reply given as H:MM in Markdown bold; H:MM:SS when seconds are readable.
**9:31**
